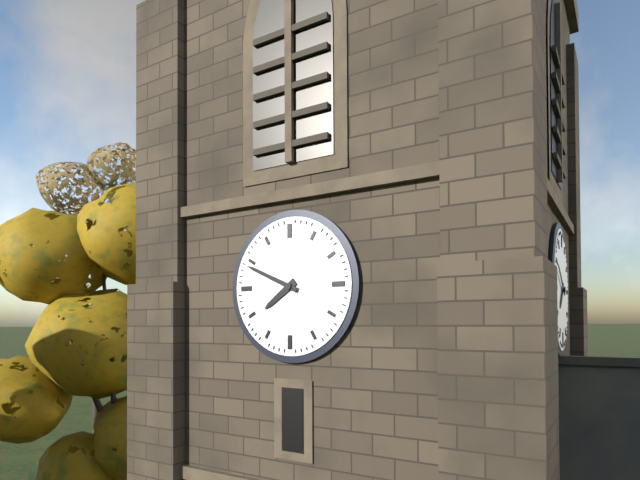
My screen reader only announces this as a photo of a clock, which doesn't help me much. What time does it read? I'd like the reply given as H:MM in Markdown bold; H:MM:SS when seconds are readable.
**7:49**
